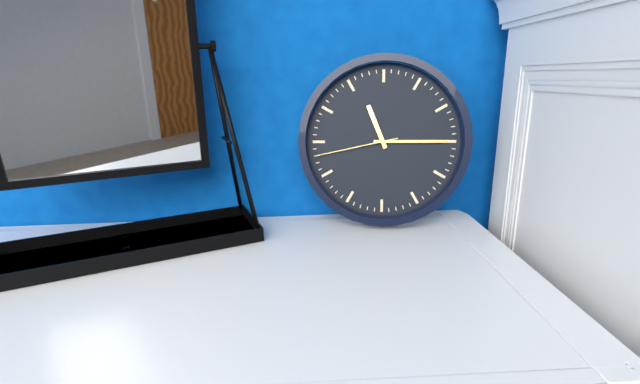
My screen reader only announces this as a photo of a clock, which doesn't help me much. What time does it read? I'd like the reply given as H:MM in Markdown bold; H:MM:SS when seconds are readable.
**11:15:43**
